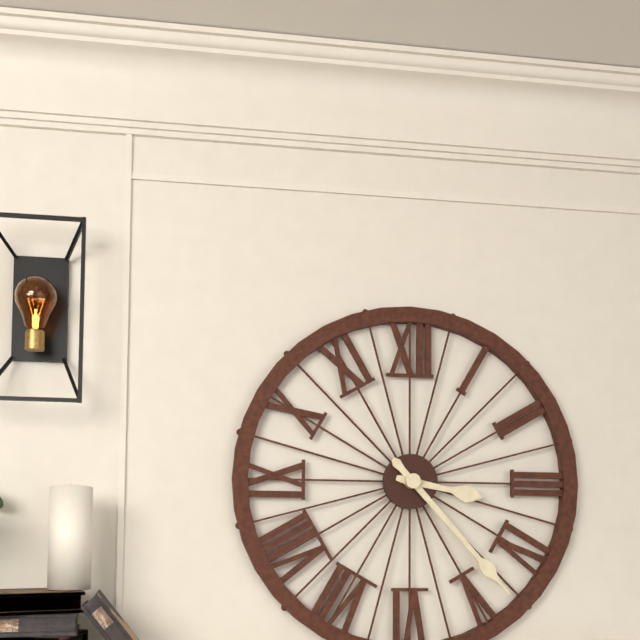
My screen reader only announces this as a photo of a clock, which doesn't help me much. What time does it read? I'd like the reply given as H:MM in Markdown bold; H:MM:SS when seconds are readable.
**3:23**
